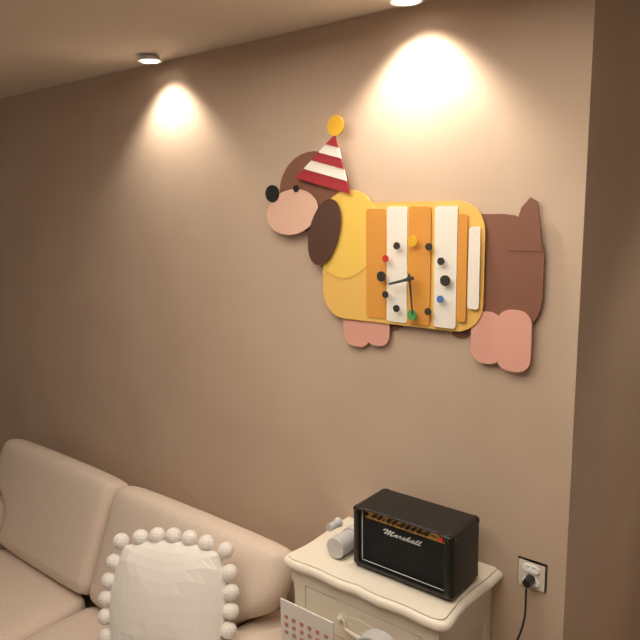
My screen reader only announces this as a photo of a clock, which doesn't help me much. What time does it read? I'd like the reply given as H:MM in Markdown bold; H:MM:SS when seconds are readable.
**8:29**
